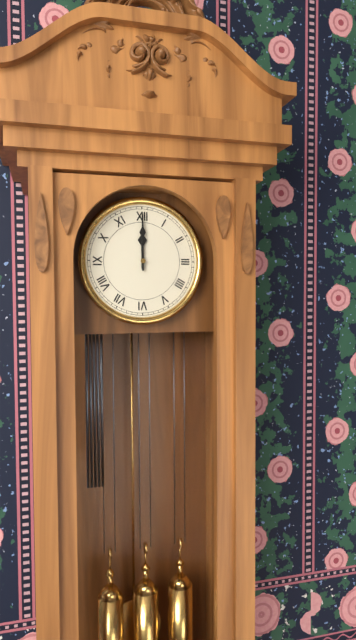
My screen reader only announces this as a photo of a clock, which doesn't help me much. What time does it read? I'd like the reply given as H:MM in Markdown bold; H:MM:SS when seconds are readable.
**12:00**
